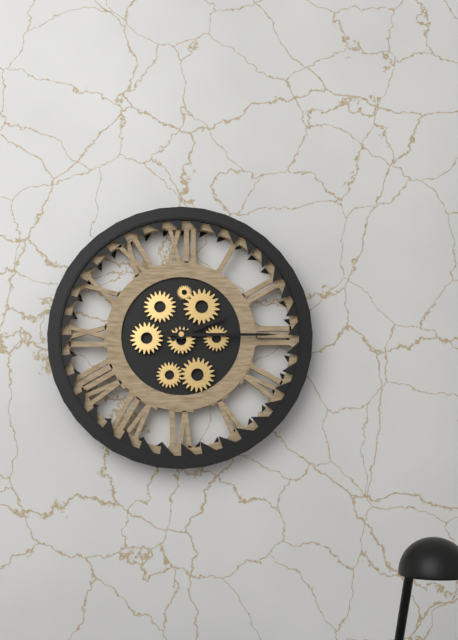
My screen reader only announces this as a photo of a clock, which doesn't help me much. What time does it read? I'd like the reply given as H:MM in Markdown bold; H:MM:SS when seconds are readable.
**2:15**
